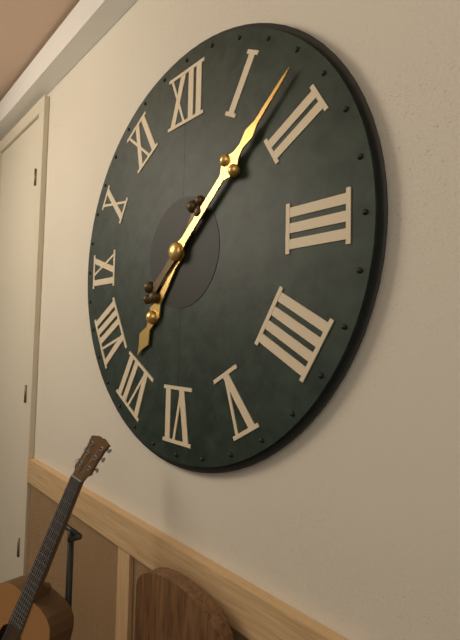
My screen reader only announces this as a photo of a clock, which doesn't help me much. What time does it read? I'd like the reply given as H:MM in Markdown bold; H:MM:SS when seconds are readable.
**7:08**
